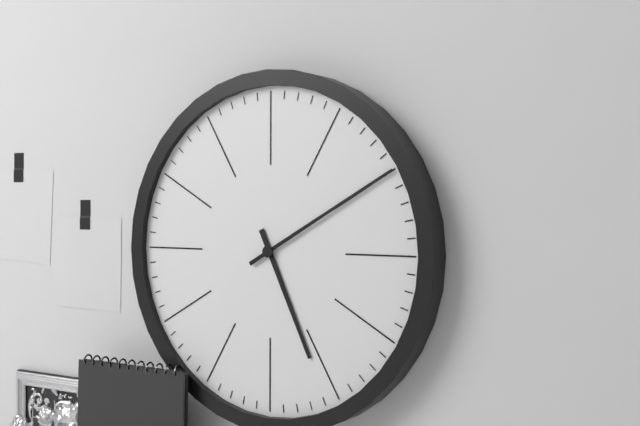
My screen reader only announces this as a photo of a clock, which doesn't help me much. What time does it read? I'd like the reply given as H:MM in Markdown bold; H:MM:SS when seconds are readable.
**5:10**
